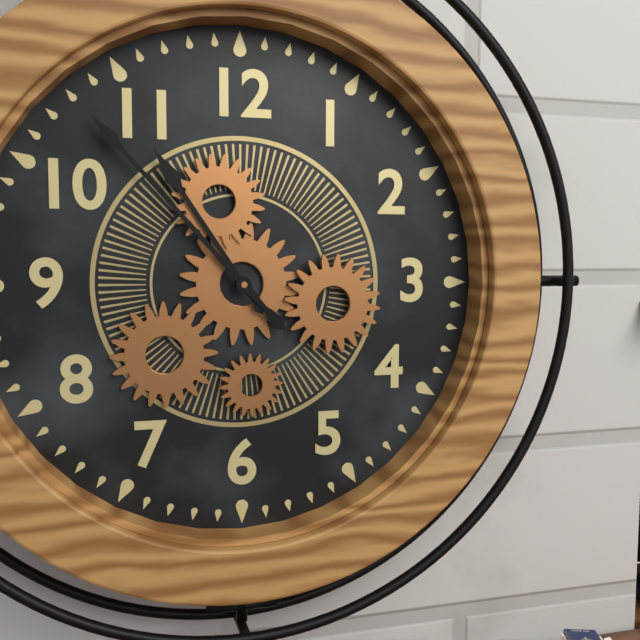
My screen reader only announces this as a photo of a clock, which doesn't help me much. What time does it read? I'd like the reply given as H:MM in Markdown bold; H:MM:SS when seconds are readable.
**10:53**
